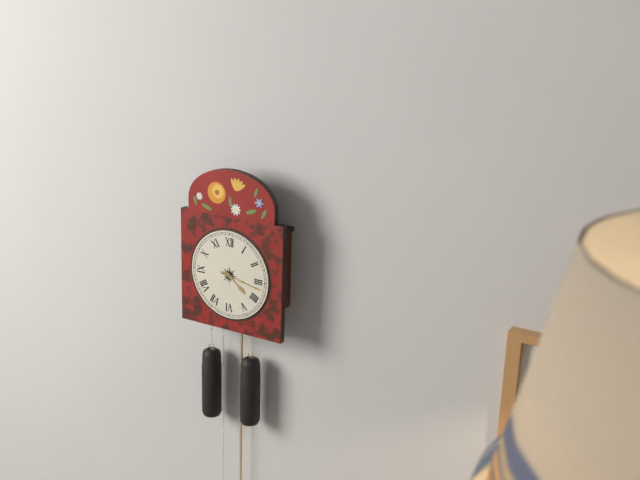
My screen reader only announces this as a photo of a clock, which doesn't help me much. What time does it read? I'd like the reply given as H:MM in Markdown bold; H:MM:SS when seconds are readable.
**4:17**
